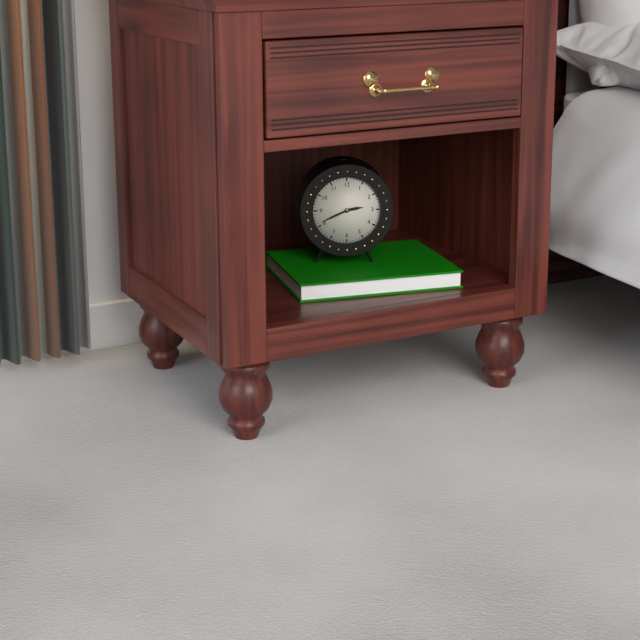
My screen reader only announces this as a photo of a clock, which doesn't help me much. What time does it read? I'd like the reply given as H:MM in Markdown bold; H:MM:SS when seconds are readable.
**2:41**
